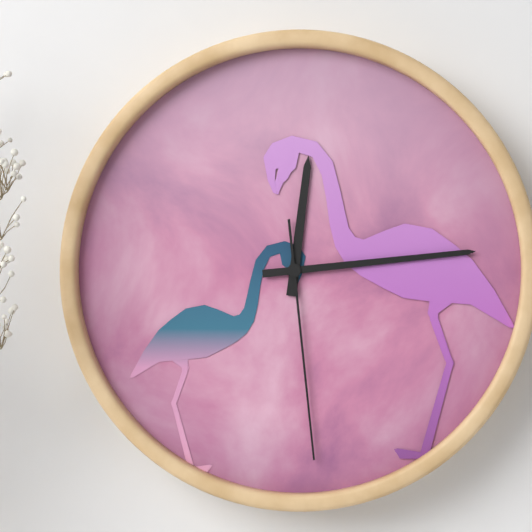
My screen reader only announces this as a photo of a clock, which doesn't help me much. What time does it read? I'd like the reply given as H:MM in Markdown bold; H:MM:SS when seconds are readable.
**12:14:29**
